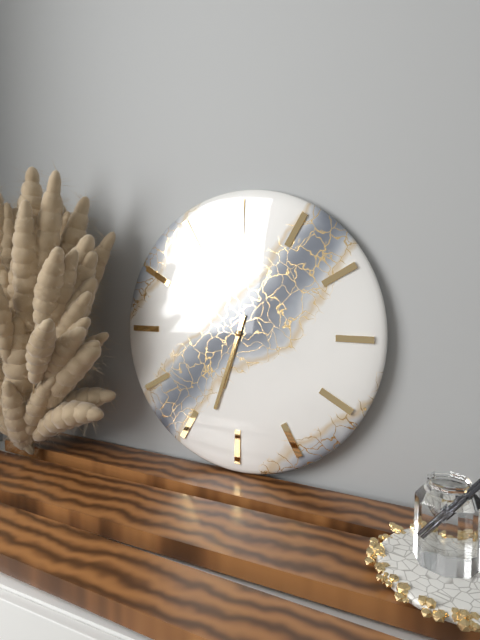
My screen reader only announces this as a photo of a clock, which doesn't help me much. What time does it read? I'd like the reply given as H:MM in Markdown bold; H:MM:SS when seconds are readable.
**6:33**
